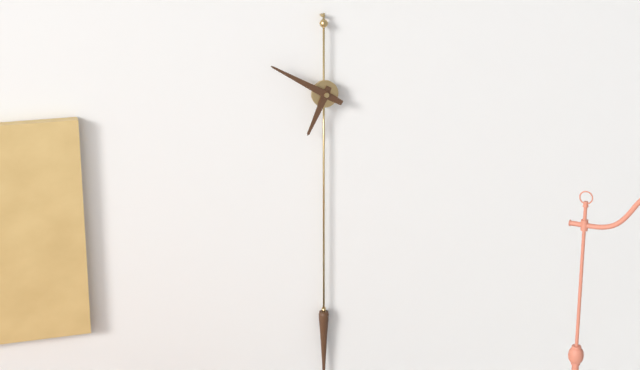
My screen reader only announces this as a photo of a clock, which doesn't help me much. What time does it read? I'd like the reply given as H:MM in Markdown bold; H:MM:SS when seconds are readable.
**6:50**
